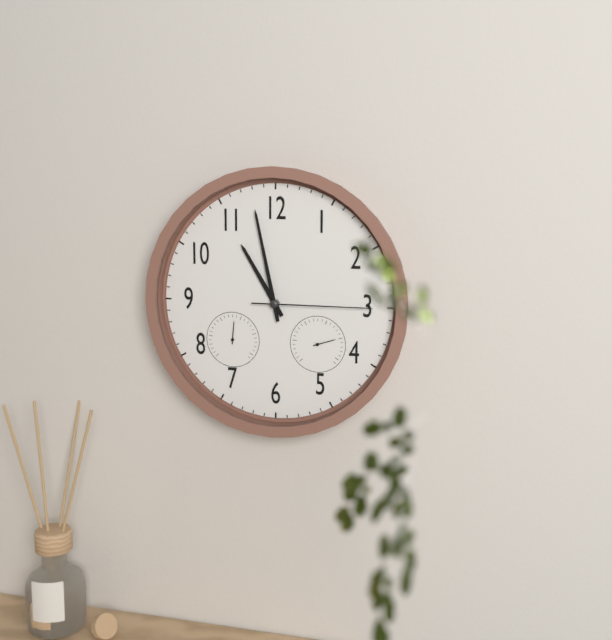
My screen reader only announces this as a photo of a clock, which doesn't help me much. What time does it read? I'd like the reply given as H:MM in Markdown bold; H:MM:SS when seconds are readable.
**10:58:15**
